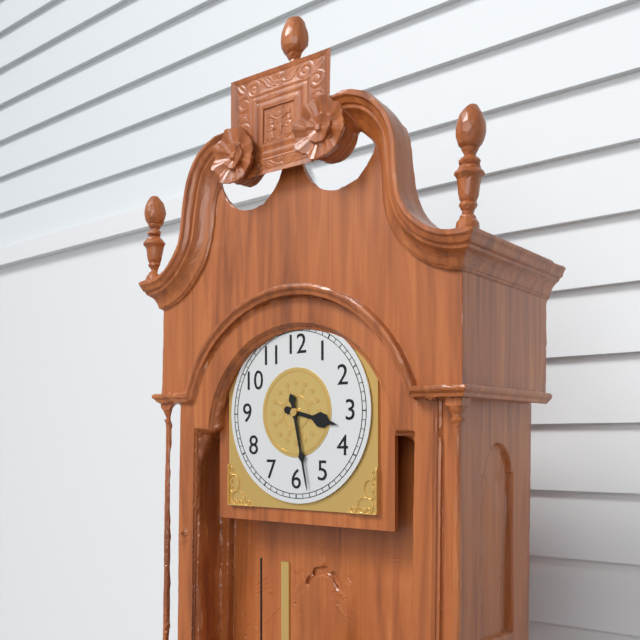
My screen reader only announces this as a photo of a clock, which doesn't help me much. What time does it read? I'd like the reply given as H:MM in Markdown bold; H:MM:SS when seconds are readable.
**3:28**
